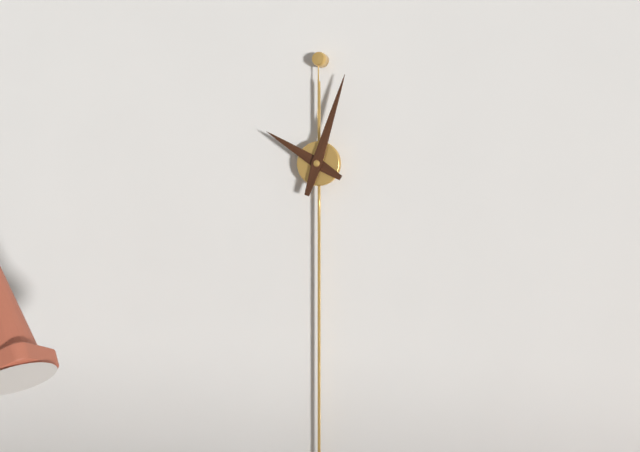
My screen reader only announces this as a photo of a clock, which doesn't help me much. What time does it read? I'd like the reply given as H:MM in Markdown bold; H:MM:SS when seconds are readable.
**10:03**
